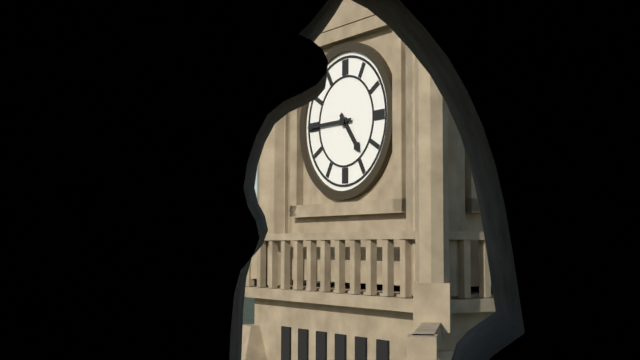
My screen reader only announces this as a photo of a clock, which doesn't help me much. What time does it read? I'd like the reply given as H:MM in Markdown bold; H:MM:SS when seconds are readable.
**4:45**
